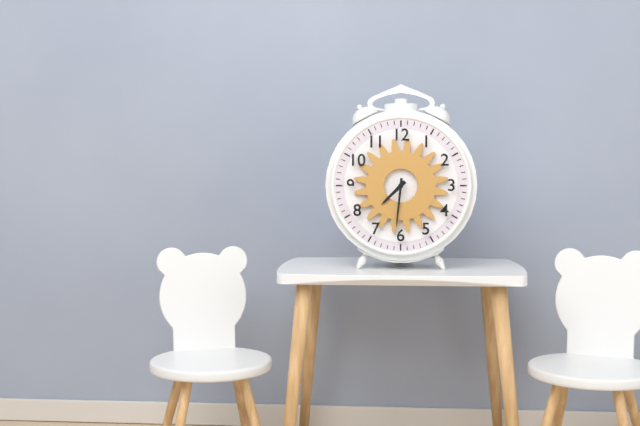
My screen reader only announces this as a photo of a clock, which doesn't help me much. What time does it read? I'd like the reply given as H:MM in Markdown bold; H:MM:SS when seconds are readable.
**7:31**
